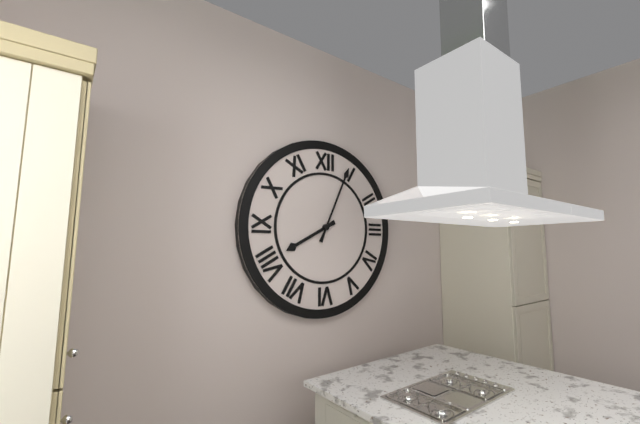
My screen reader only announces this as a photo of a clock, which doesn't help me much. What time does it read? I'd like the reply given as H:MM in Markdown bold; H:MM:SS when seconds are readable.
**8:04**
